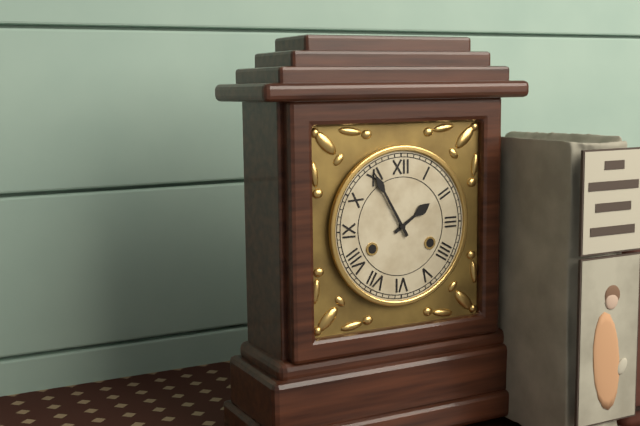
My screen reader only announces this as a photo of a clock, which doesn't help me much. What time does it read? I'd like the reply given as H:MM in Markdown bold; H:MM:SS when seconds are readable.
**1:55**
